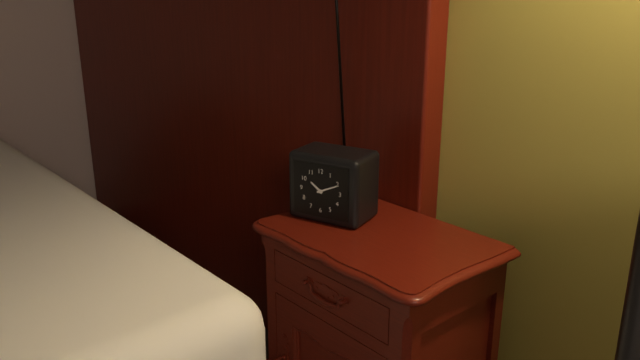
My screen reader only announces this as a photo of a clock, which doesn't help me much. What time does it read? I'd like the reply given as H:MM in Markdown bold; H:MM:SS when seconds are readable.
**10:11**
